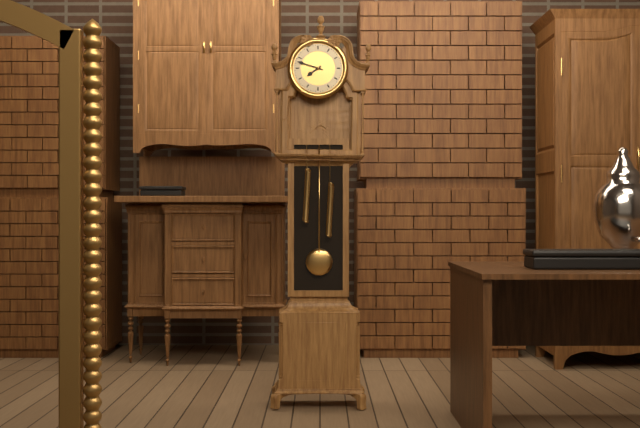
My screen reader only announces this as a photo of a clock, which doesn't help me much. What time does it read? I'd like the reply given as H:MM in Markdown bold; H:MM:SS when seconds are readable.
**7:48**
